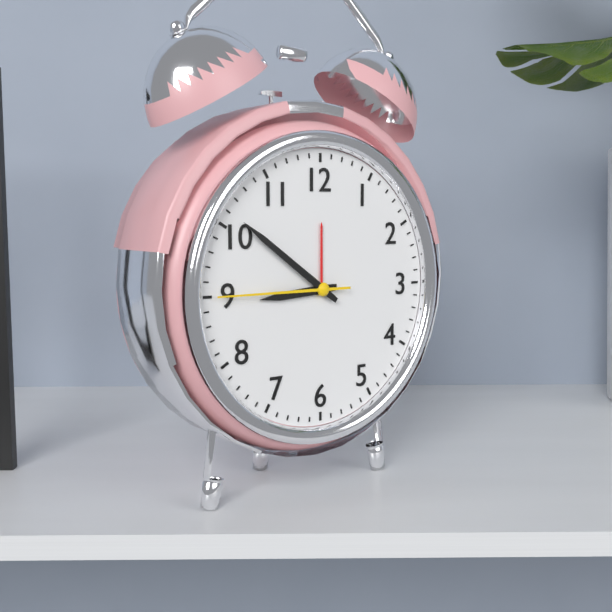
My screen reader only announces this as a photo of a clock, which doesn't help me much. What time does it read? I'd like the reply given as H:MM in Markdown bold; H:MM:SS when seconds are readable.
**8:51:45**
